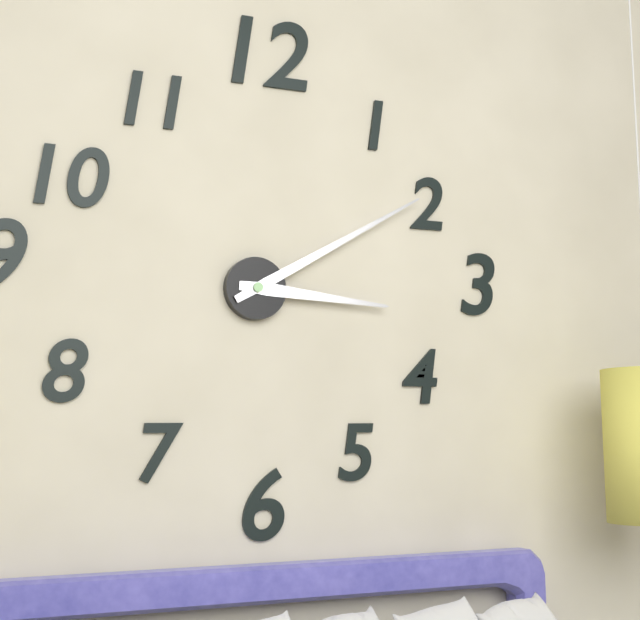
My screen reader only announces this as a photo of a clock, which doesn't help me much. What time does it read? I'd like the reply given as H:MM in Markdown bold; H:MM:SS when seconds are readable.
**3:10**
